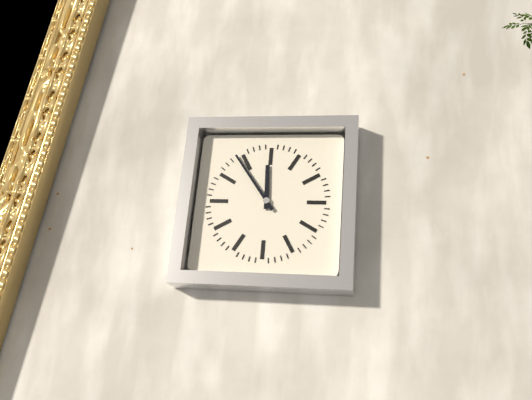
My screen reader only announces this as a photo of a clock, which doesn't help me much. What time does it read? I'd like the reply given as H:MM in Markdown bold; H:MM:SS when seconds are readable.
**11:54**
